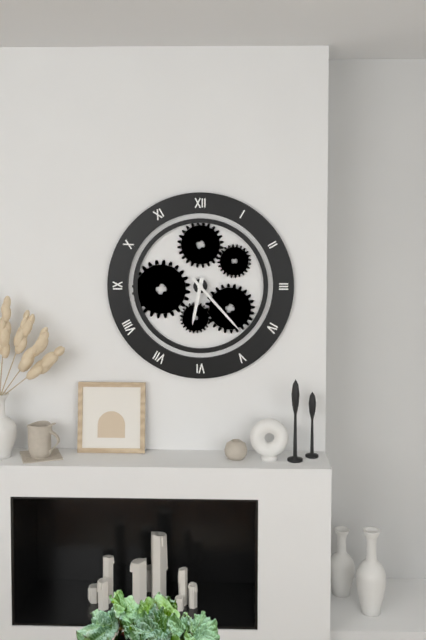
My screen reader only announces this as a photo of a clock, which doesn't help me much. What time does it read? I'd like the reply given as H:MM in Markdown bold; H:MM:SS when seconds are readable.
**6:23**
